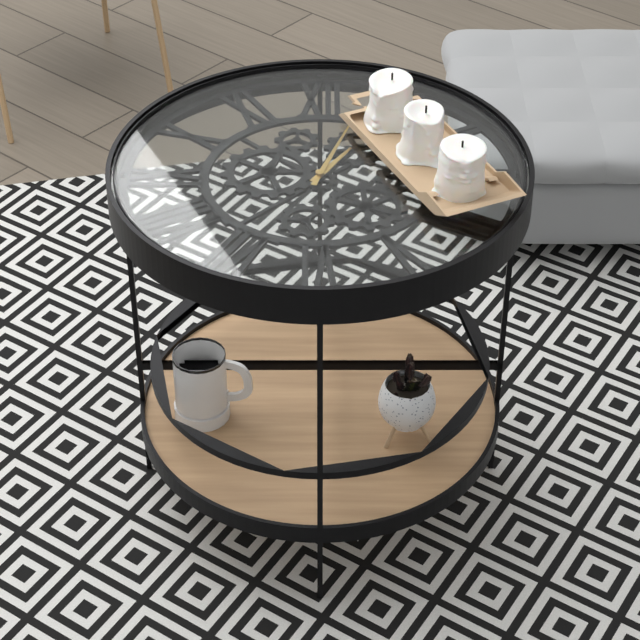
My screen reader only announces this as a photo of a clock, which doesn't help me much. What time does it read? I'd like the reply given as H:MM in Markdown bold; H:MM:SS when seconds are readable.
**1:03**
